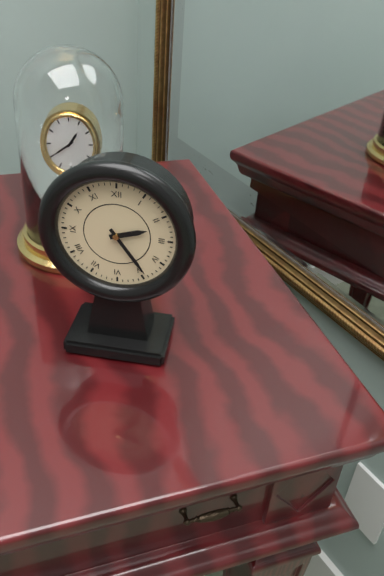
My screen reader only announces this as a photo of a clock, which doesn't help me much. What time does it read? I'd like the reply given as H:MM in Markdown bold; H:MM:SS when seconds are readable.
**2:24**
